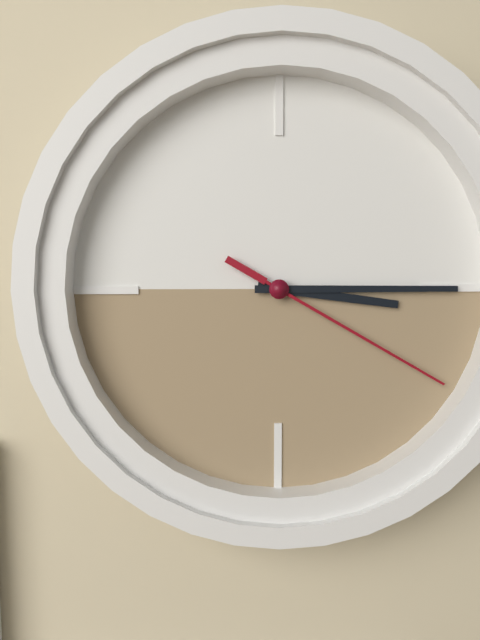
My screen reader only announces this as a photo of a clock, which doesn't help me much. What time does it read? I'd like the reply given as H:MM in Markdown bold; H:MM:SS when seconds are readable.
**3:15:20**
